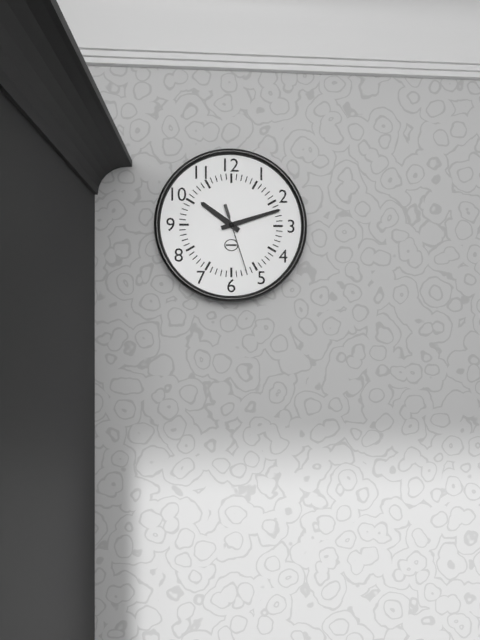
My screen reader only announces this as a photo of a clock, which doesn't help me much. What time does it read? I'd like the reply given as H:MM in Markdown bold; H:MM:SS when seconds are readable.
**10:12:27**
